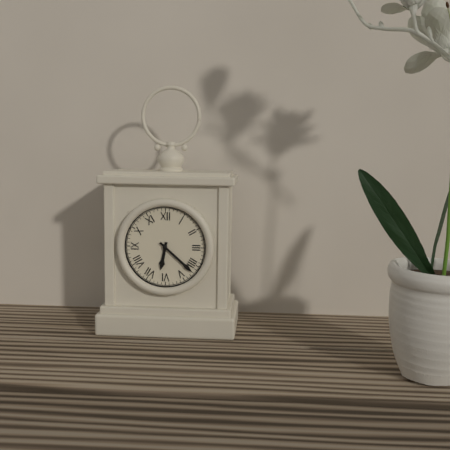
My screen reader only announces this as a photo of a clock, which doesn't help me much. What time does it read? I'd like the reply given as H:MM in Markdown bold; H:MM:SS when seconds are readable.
**6:22**
